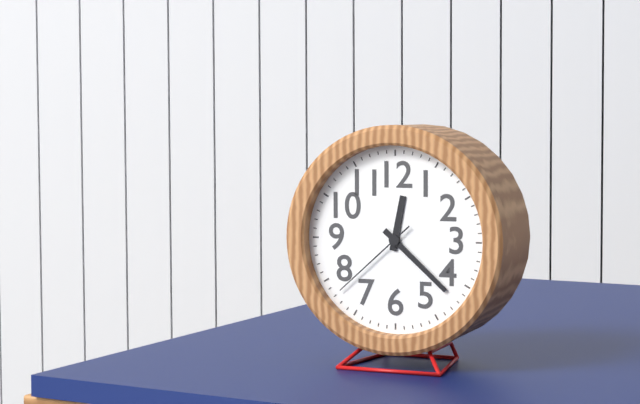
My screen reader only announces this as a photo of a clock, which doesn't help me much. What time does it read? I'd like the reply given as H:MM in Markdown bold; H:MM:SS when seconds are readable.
**12:22:38**
